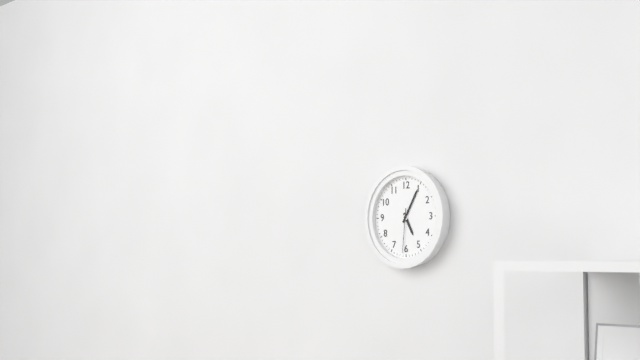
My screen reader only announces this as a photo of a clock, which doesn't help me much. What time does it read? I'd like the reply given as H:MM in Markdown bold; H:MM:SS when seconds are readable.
**5:05**
